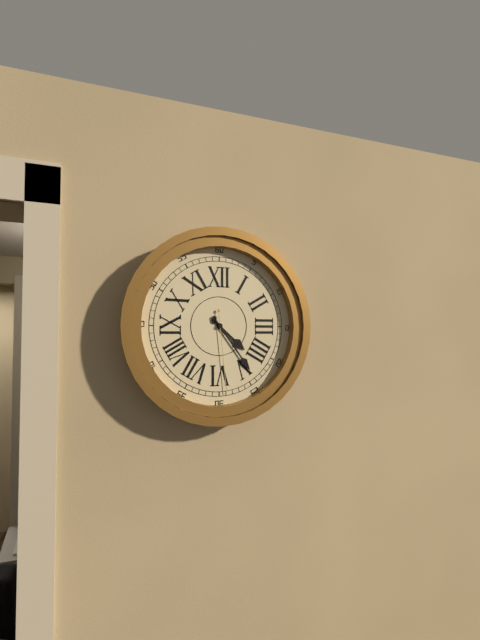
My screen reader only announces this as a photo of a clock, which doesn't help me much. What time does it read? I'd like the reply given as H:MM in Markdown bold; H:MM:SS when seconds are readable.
**4:24:29**
